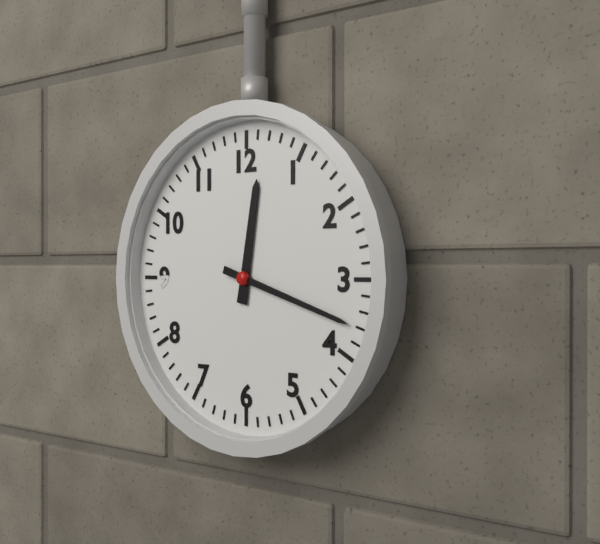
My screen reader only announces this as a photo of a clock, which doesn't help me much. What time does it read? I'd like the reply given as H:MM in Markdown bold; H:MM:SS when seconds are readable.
**12:18**
